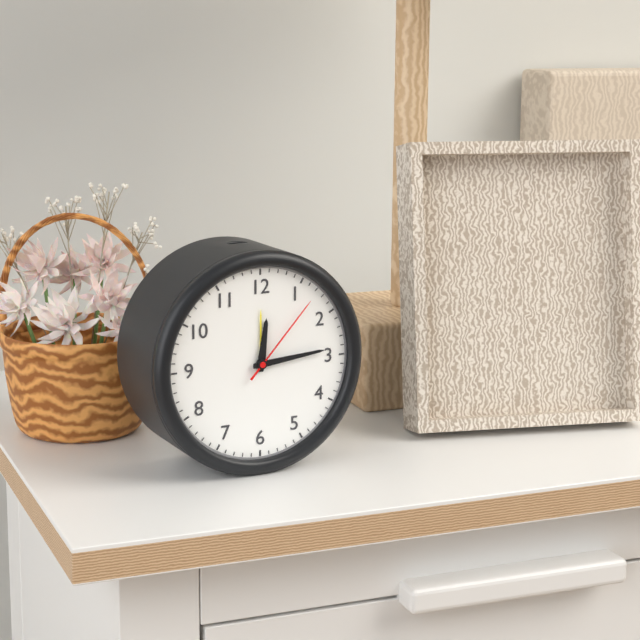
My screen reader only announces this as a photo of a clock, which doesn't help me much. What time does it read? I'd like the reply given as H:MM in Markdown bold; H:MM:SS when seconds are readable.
**12:14:07**
